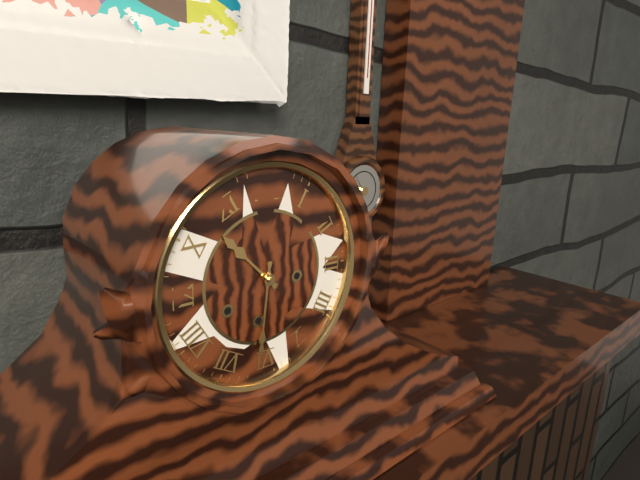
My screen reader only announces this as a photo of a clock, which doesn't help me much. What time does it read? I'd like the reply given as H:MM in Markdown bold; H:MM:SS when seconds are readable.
**10:31**
